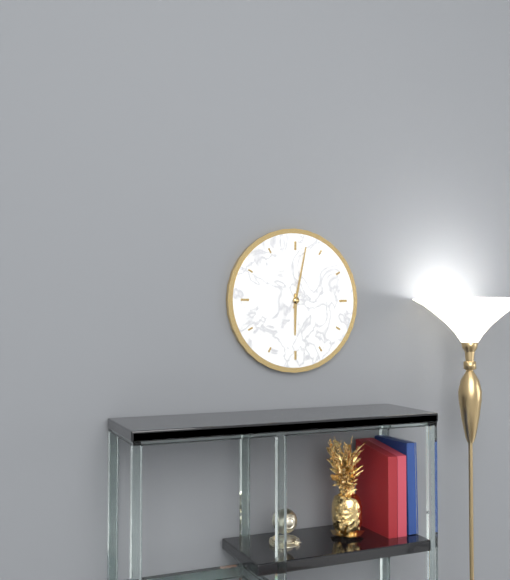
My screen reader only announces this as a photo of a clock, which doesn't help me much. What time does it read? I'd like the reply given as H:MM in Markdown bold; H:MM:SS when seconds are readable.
**6:02**
